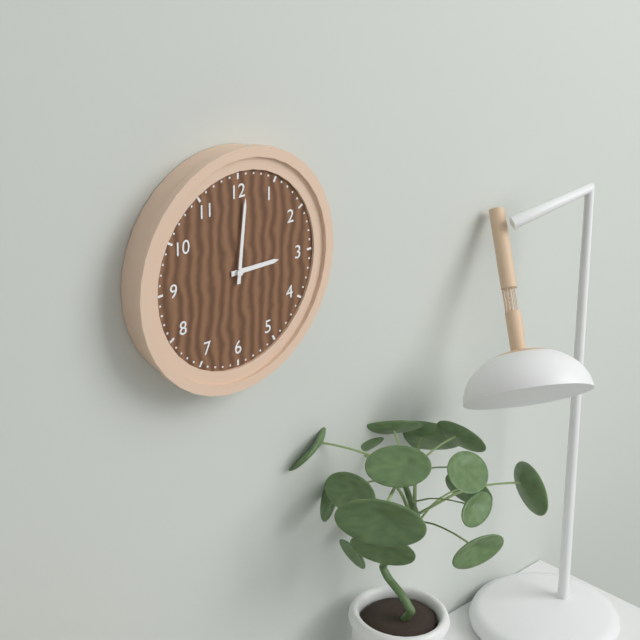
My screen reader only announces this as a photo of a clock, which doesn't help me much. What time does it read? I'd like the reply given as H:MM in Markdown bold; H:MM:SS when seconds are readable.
**3:01**
